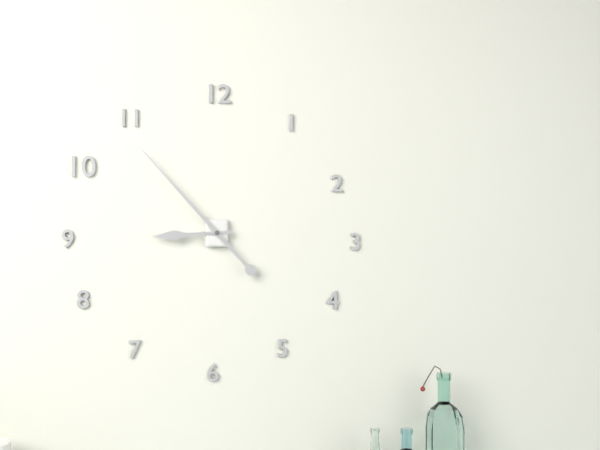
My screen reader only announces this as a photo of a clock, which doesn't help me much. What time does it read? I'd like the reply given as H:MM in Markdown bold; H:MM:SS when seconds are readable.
**8:53**
